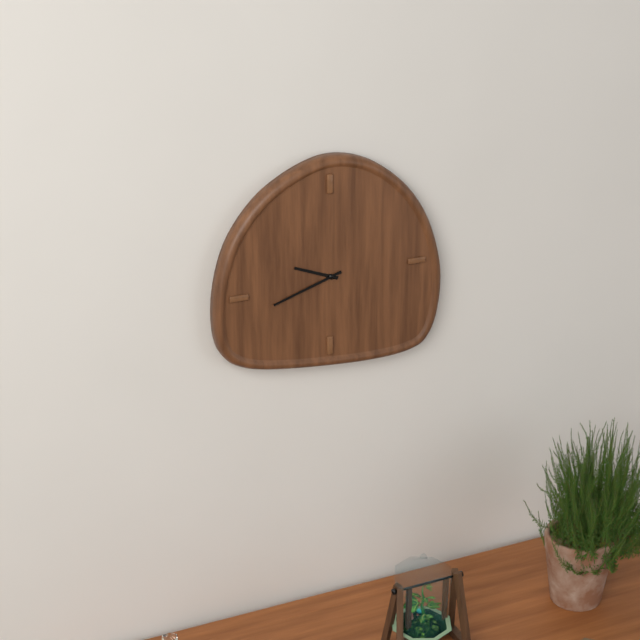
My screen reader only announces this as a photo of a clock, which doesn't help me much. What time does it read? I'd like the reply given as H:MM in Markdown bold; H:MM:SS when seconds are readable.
**9:42**
